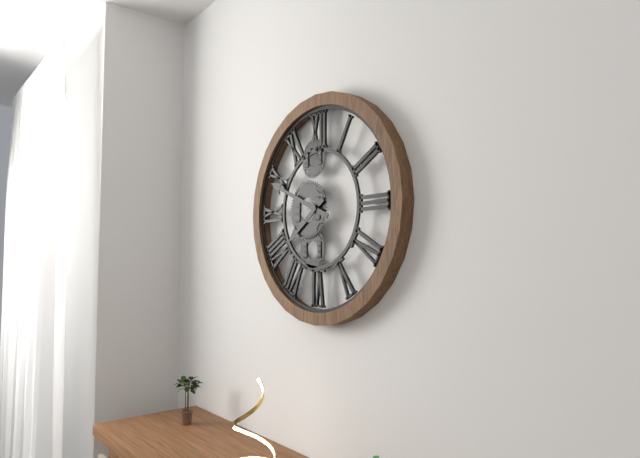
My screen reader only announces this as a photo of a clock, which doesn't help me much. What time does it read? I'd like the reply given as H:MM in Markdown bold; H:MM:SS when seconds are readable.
**7:49**
